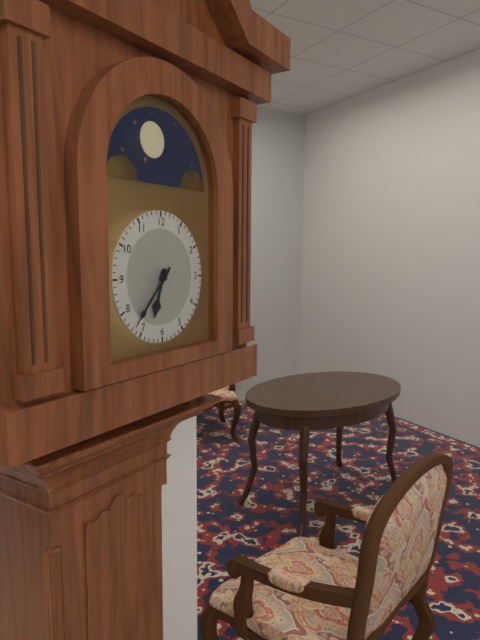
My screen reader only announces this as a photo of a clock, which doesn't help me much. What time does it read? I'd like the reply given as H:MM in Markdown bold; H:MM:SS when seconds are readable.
**6:37**
